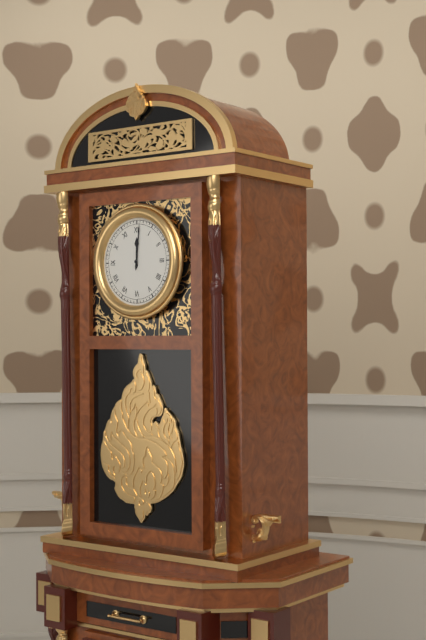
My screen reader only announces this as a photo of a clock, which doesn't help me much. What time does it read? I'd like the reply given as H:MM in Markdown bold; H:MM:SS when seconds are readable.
**12:01**
